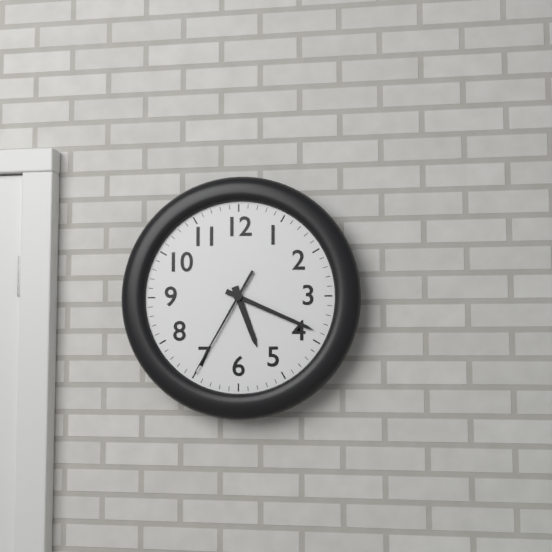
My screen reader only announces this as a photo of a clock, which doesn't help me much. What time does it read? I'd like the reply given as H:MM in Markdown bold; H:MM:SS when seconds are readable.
**5:19:35**
